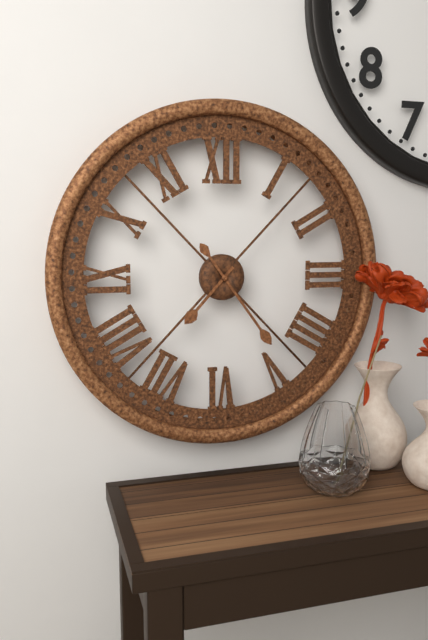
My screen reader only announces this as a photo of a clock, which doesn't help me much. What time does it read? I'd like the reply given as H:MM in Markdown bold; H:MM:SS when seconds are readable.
**7:24**
